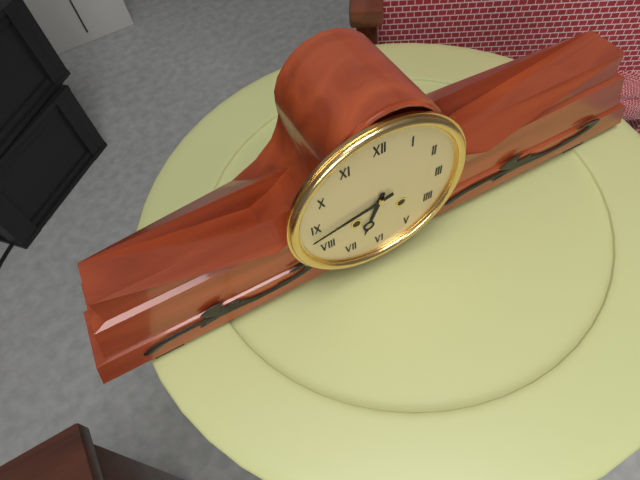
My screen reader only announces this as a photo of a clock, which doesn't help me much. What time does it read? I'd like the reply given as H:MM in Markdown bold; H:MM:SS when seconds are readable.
**6:43**
